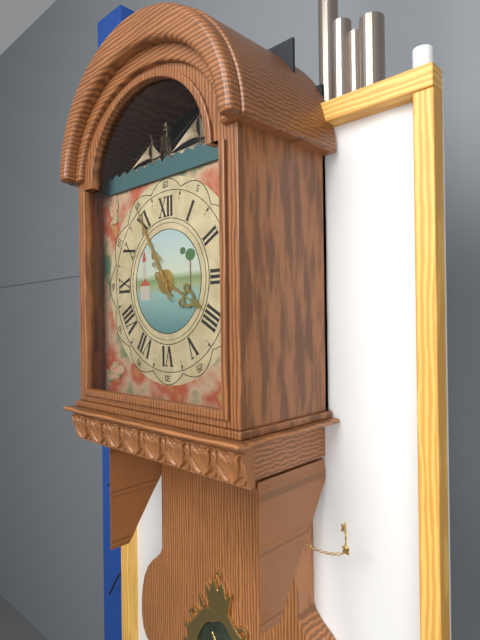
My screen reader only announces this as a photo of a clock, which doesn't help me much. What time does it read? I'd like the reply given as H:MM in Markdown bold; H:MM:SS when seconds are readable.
**3:55**
